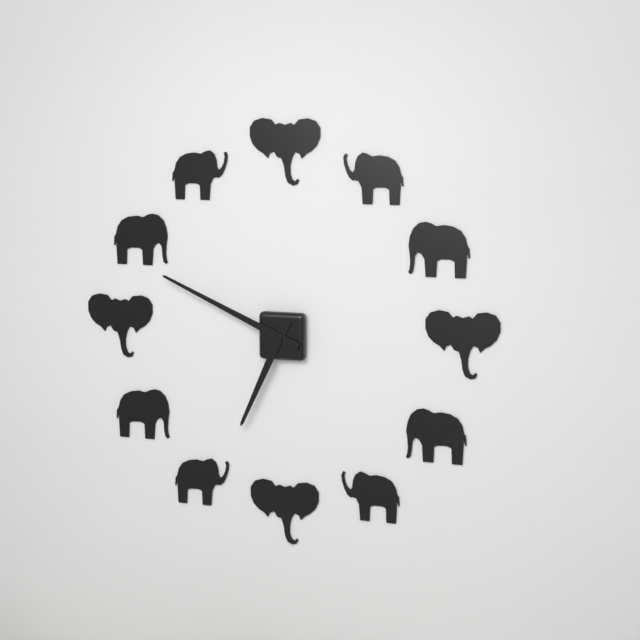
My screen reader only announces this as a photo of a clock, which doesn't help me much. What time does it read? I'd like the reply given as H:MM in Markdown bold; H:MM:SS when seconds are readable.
**6:49**
